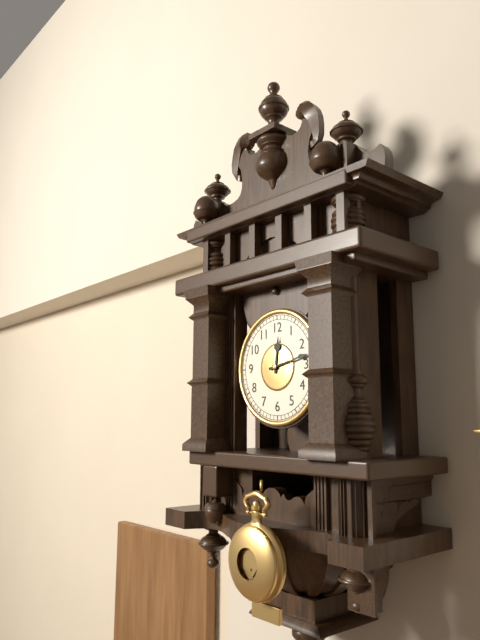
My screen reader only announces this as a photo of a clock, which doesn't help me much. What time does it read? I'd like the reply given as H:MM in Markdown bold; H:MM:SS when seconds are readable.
**12:13**
